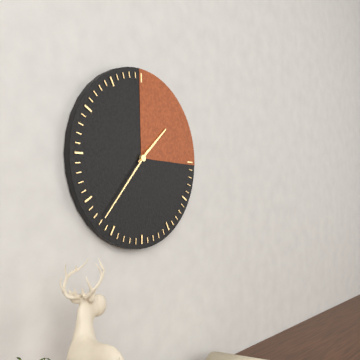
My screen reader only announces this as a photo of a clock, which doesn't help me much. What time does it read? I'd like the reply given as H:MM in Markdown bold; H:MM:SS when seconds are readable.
**1:37**
